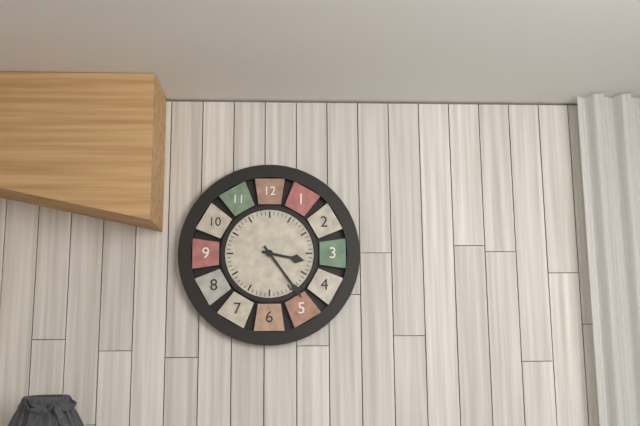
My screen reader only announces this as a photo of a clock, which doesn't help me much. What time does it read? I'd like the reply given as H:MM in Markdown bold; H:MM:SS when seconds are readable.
**3:24**
